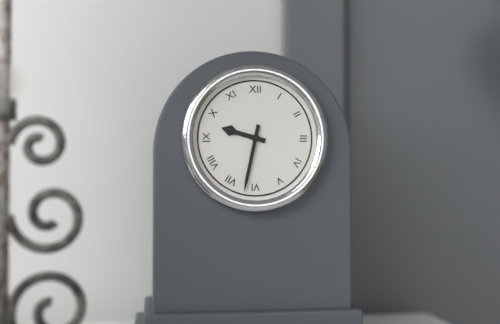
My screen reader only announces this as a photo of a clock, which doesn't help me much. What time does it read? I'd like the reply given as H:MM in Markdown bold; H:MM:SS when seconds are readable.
**9:32**
